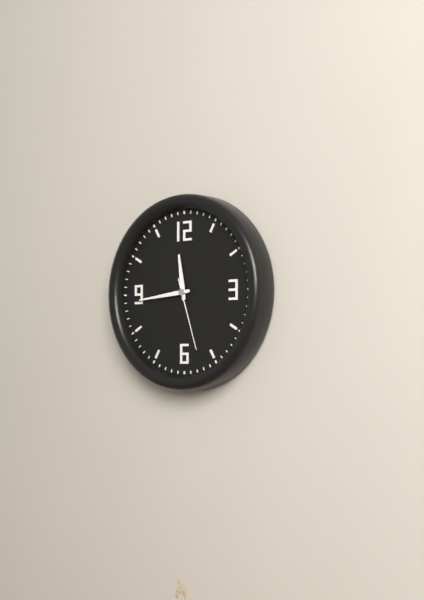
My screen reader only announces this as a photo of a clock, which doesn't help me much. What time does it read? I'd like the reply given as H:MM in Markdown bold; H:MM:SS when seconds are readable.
**11:44:27**
